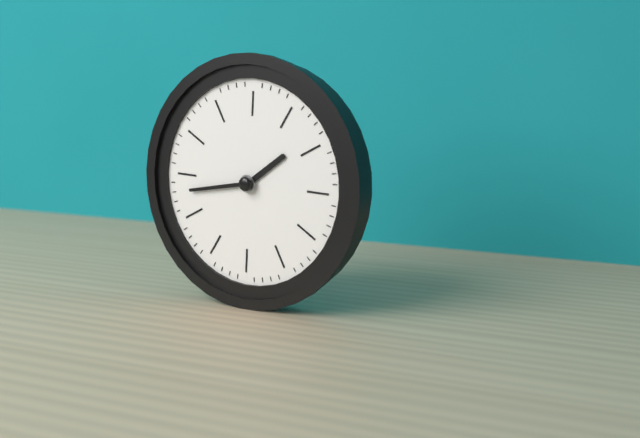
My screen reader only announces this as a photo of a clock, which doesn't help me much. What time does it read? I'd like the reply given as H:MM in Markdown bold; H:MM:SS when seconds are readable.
**1:43**
